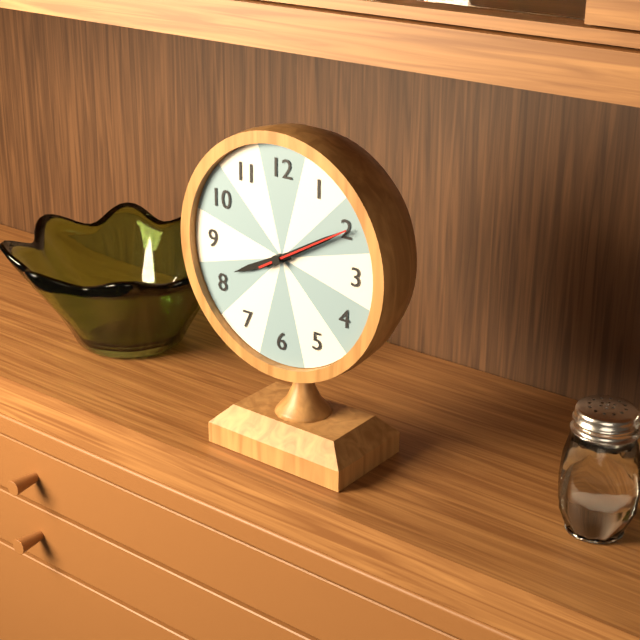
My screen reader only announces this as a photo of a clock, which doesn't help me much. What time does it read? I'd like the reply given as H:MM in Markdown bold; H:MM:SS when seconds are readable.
**8:10:10**
